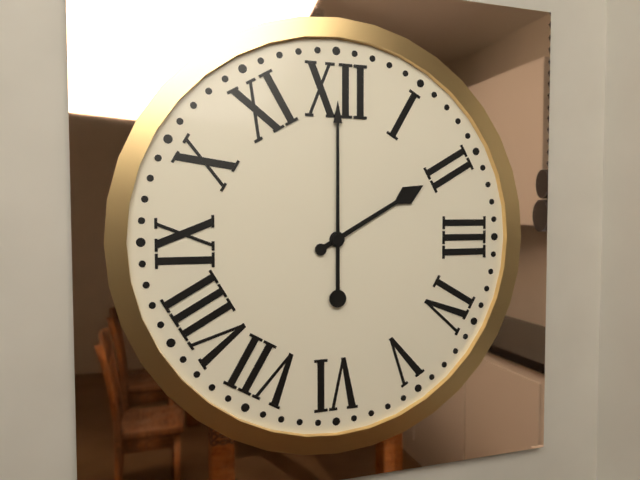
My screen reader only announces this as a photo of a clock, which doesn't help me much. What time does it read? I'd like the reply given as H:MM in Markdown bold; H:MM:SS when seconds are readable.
**2:00**
